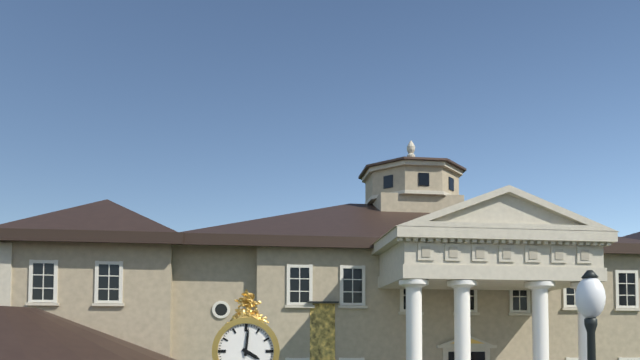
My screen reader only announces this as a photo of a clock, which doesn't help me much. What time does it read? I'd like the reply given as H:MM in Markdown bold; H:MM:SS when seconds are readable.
**4:01**
